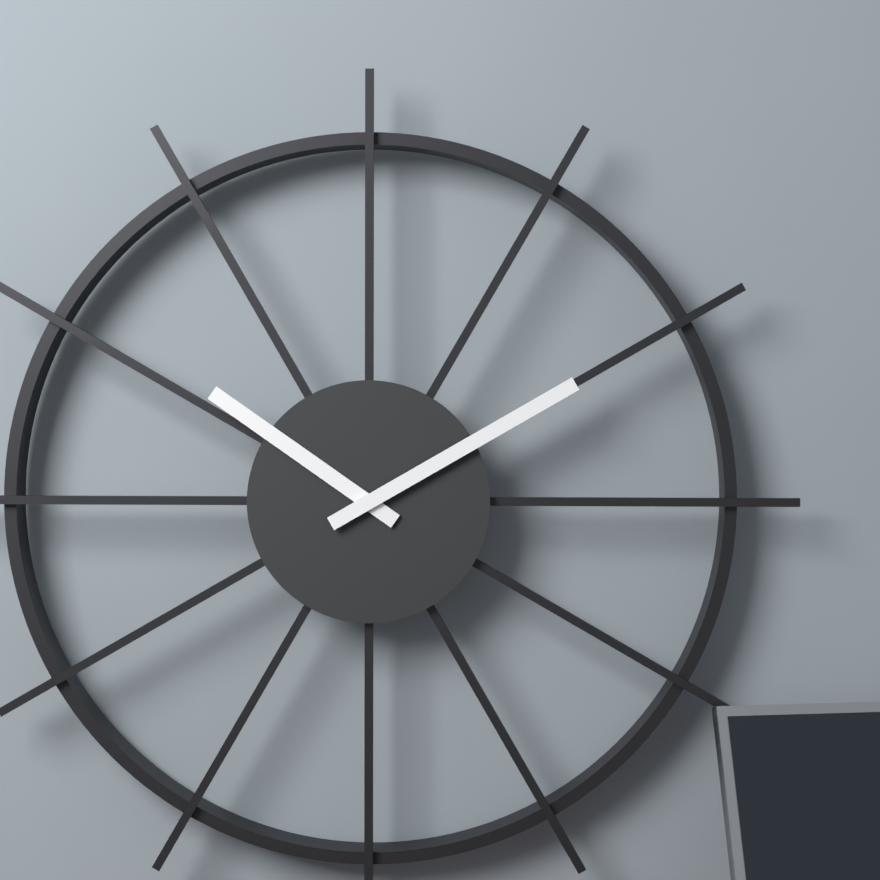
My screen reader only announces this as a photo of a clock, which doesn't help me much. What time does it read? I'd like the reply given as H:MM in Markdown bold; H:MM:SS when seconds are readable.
**10:10**
